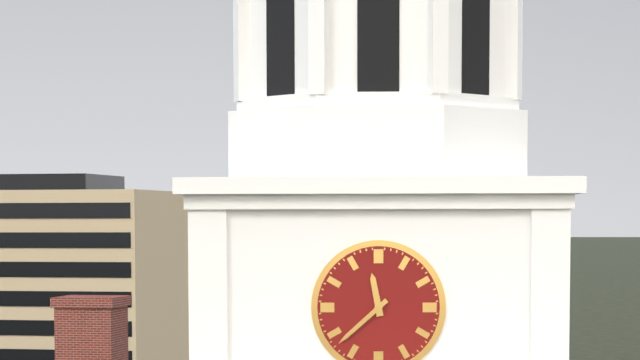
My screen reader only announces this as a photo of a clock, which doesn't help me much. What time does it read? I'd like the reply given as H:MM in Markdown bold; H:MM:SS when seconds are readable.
**11:38**
